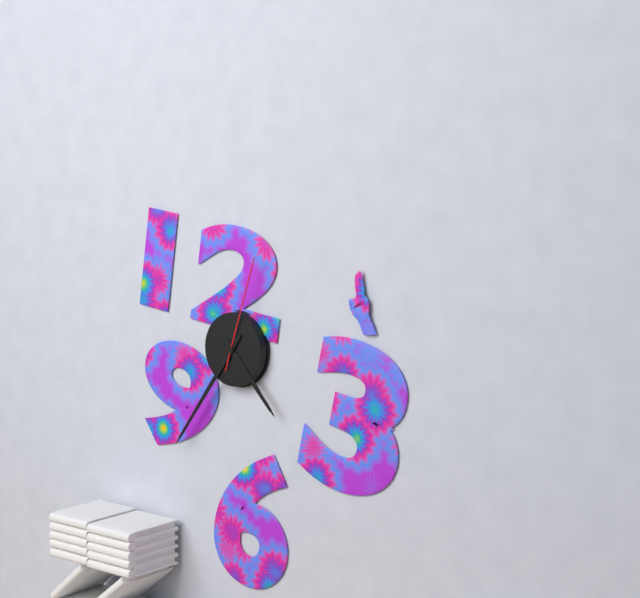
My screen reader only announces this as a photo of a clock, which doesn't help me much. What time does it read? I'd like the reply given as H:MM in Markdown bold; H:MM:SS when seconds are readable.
**4:36:03**
